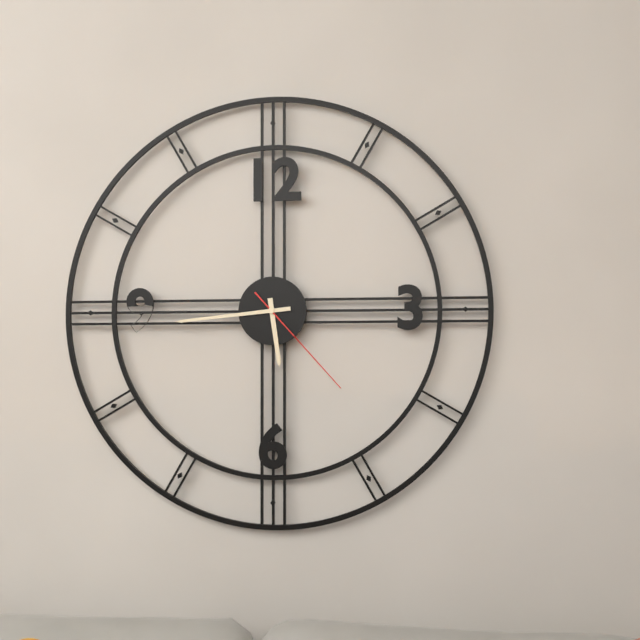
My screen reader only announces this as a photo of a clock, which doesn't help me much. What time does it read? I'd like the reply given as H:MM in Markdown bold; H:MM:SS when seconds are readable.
**5:44:23**
